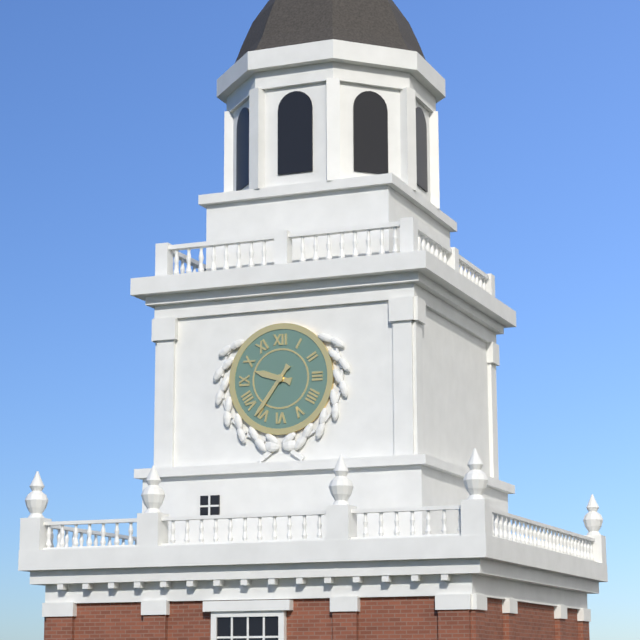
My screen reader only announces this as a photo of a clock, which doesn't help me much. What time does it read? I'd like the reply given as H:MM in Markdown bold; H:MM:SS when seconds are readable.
**9:36**
